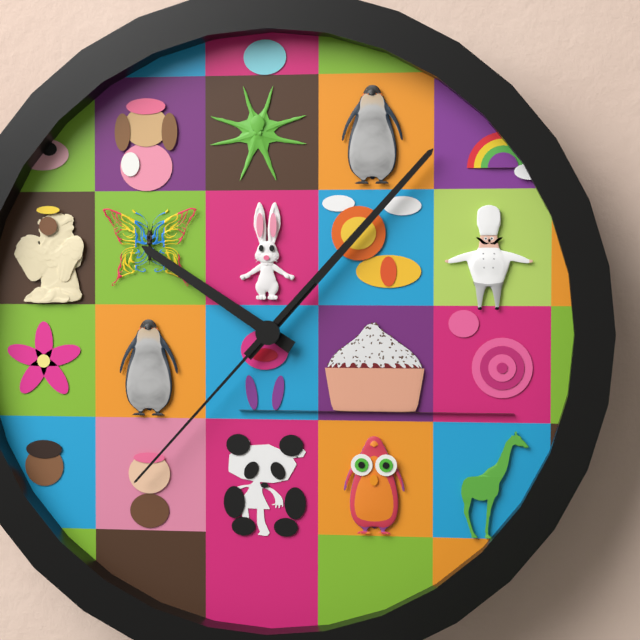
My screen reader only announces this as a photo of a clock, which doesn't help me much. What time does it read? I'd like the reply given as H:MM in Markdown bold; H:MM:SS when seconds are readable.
**10:07:37**
